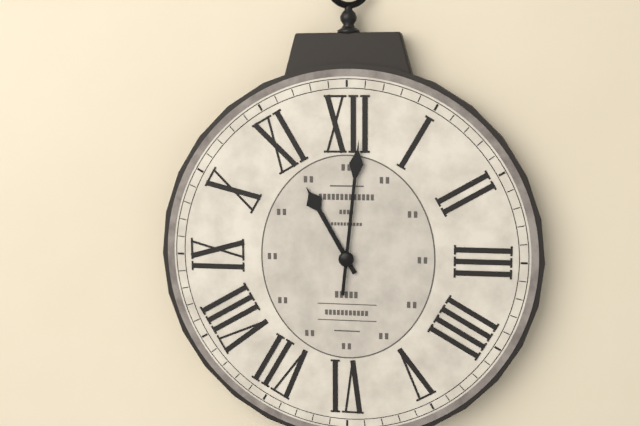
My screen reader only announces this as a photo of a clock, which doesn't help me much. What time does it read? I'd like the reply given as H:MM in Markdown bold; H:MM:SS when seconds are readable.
**11:01**
